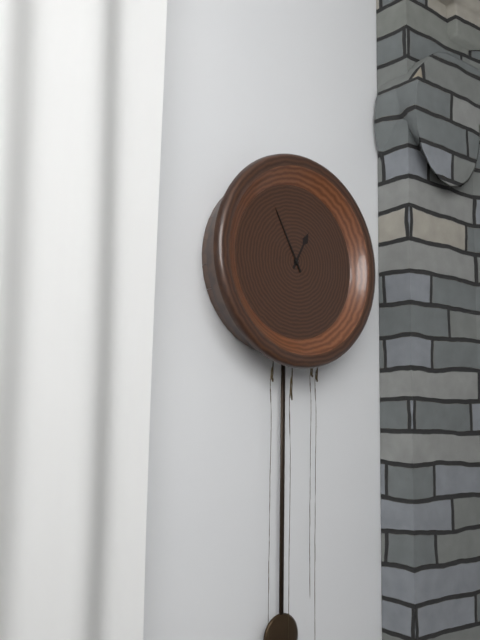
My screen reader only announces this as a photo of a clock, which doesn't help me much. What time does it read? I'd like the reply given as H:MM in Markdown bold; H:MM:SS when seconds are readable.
**12:55**
